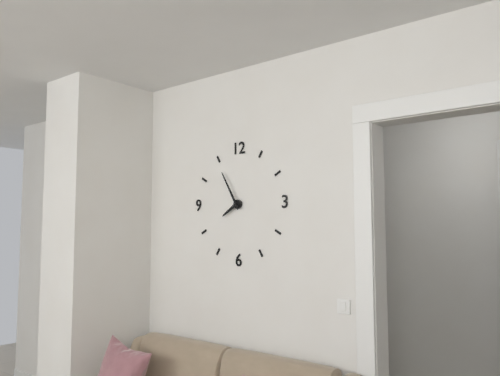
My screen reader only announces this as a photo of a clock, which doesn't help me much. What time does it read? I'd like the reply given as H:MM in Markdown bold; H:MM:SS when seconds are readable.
**7:55**
